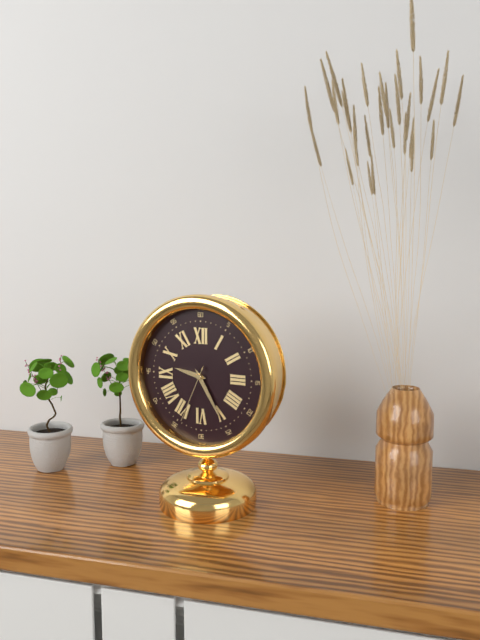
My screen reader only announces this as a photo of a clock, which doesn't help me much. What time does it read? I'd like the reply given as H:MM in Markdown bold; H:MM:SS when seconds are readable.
**9:25:34**
